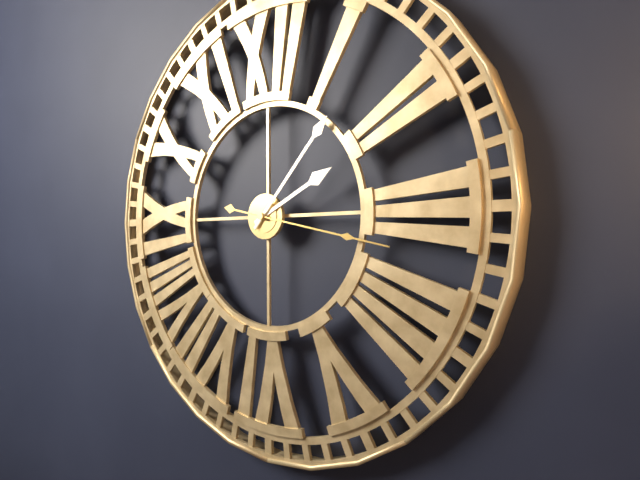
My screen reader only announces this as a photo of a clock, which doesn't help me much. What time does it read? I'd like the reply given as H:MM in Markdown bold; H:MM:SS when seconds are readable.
**2:07:17**
